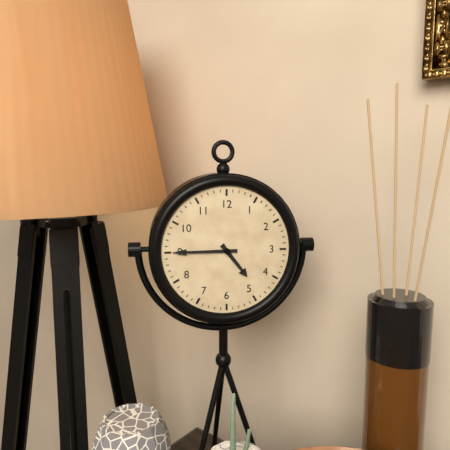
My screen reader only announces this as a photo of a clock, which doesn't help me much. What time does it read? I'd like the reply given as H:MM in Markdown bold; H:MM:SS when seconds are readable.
**4:45**
